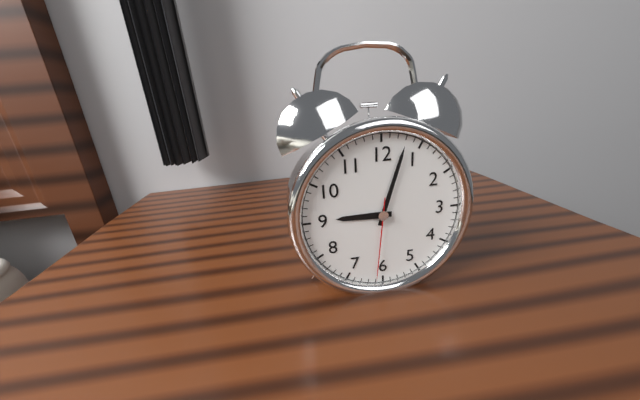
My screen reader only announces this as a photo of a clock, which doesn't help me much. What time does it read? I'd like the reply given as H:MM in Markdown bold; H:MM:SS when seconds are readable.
**9:03:31**
